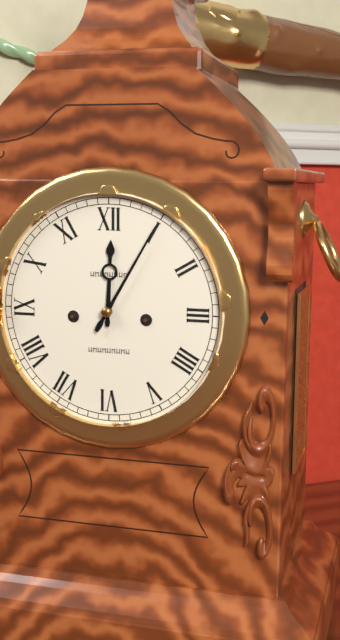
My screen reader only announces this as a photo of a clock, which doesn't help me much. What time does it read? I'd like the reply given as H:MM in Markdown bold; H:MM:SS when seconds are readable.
**12:05**
